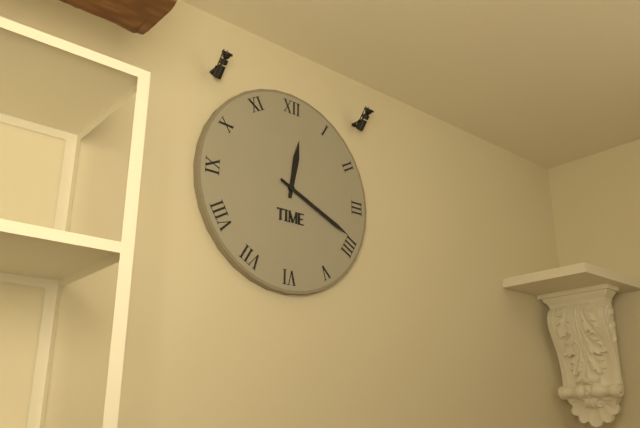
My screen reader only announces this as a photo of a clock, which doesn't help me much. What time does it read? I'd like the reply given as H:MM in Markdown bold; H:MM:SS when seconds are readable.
**12:19**
